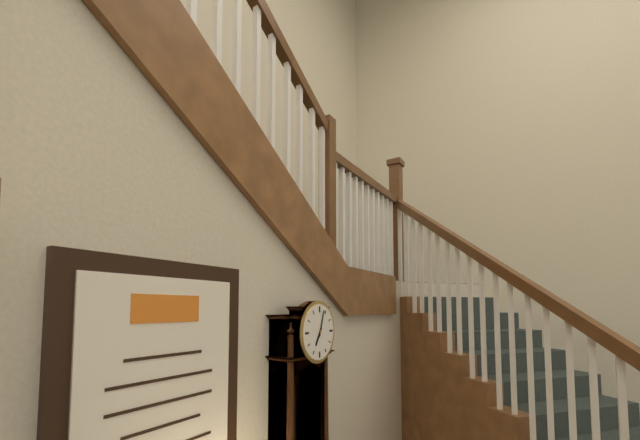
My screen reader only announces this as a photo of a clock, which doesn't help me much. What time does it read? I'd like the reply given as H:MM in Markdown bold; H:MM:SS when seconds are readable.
**7:03**
